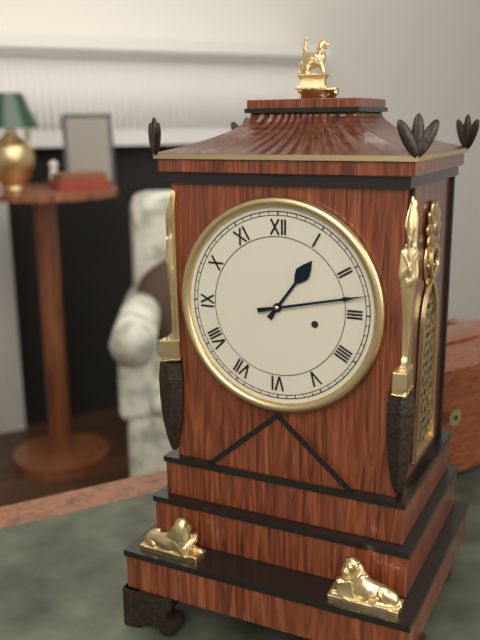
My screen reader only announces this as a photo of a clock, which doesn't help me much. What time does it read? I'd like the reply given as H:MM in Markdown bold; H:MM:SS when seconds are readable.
**1:13**
